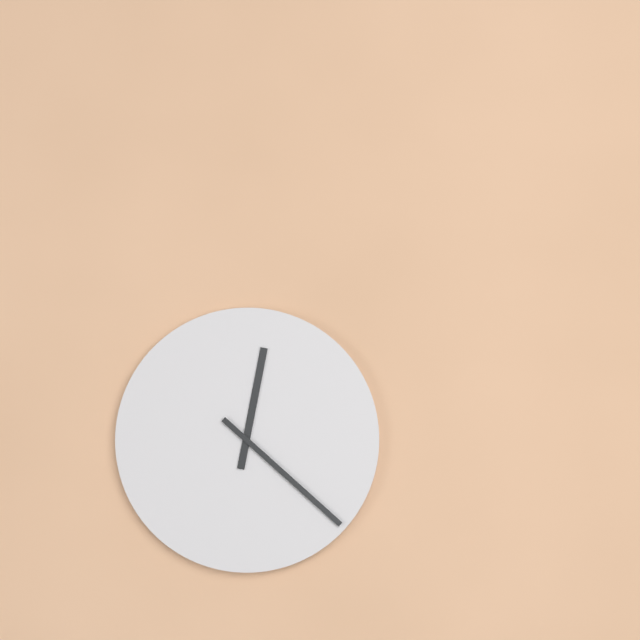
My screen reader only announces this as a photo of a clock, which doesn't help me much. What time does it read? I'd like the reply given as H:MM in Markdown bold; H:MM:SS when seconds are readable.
**12:22**
